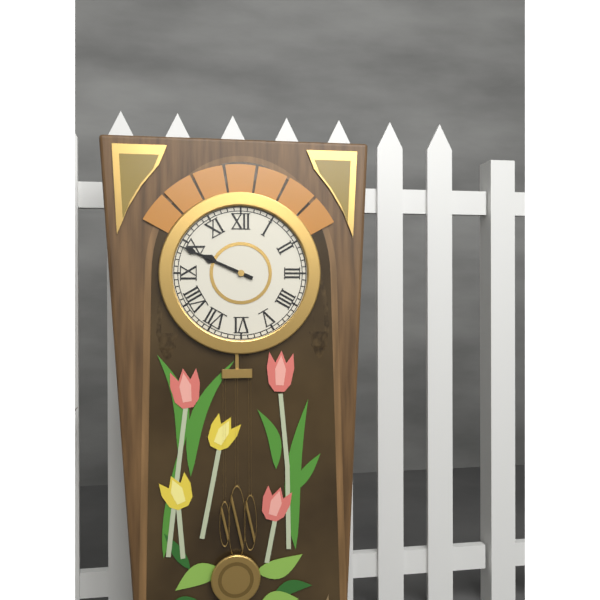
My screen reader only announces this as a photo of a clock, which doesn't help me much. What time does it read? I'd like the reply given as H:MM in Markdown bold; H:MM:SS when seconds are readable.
**9:49**
